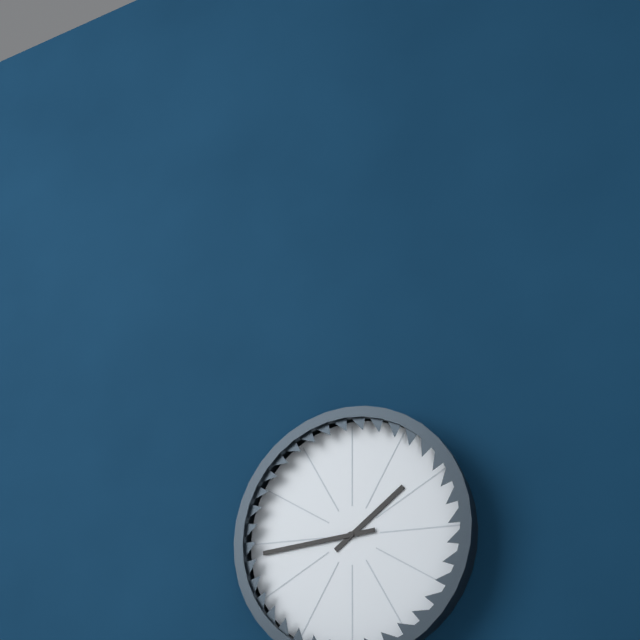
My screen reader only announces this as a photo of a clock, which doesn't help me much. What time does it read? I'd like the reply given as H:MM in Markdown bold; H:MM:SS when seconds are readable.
**1:44**
